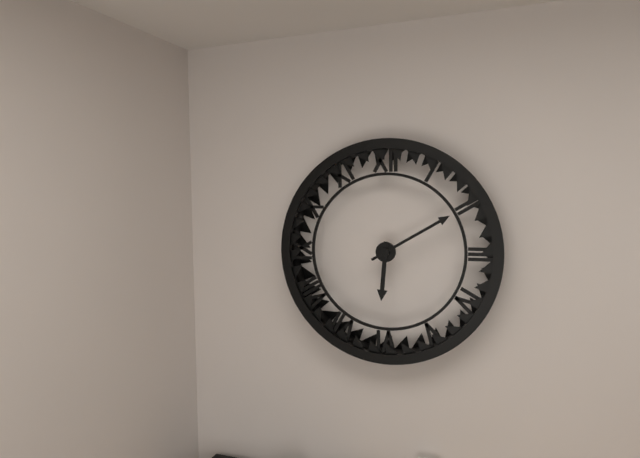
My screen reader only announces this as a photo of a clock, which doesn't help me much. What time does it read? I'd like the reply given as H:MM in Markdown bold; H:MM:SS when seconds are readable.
**6:10**
